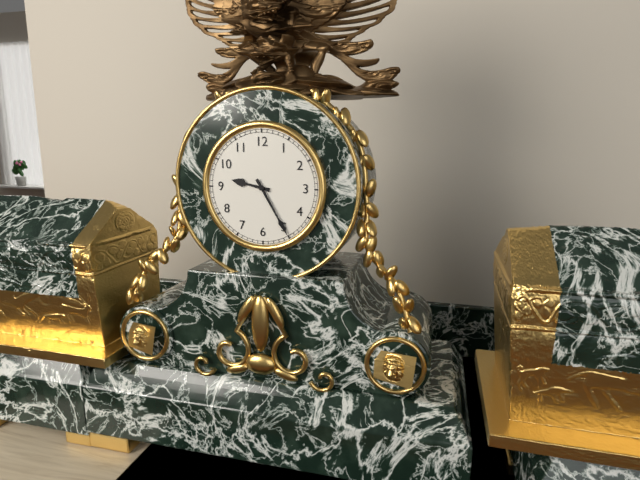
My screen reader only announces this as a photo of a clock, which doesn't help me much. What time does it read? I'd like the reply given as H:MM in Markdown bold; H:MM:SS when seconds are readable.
**9:25**
